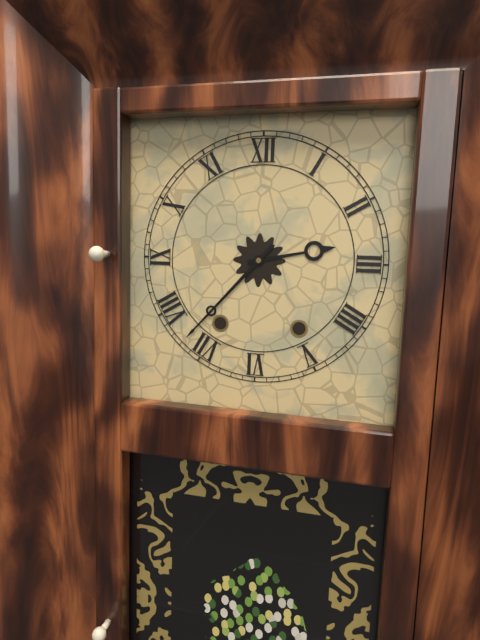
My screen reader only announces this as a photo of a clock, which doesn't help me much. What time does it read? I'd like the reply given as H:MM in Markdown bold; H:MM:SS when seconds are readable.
**2:37**
